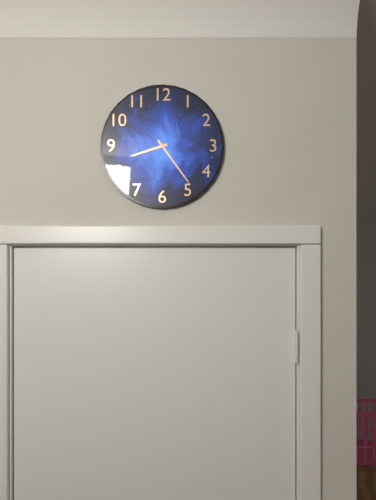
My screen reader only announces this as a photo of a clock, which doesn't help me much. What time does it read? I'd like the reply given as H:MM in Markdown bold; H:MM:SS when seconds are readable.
**8:24**
